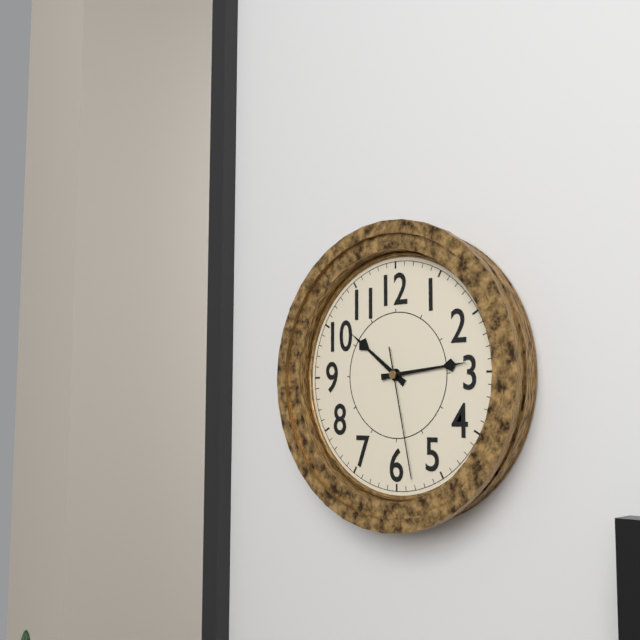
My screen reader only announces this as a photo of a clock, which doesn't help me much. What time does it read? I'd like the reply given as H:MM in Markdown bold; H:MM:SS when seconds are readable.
**10:14:28**
